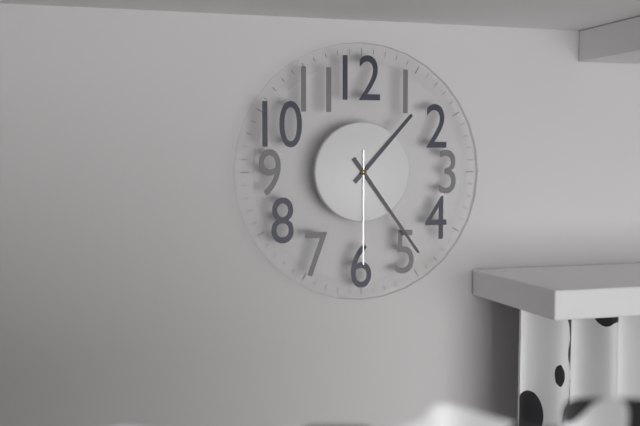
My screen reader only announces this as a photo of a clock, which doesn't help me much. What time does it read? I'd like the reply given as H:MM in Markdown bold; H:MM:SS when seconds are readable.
**1:24:30**
